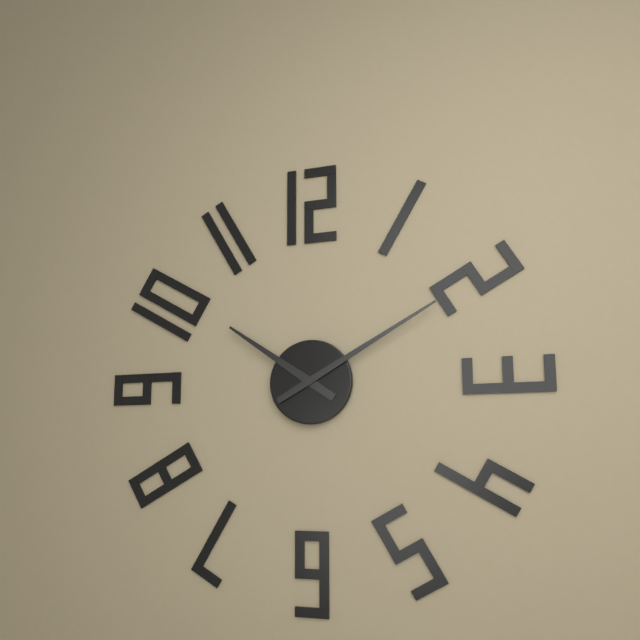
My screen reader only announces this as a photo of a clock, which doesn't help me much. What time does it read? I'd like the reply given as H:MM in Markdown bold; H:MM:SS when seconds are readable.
**10:10**
